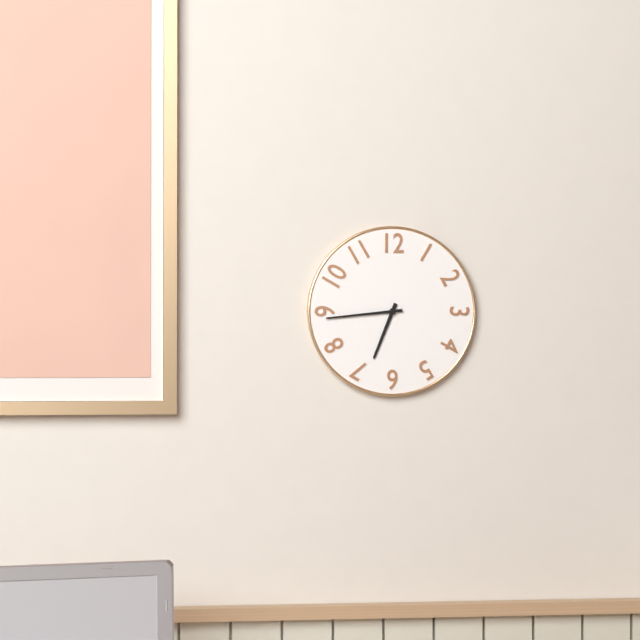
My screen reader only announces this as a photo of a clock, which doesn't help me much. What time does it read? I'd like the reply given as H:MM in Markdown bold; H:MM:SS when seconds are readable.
**6:44**
